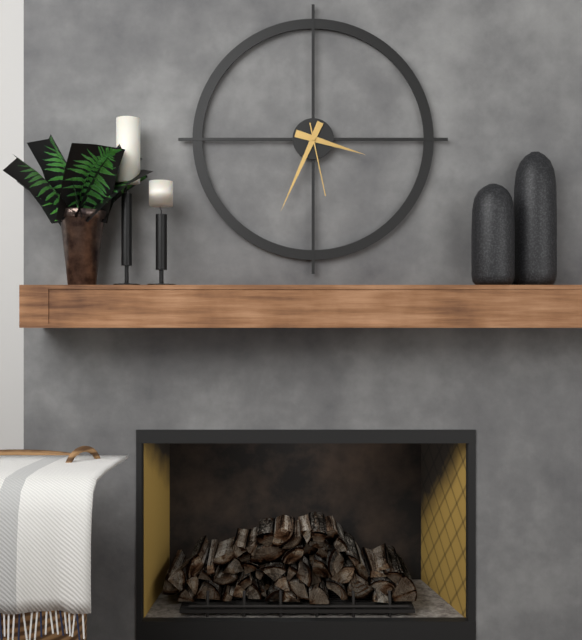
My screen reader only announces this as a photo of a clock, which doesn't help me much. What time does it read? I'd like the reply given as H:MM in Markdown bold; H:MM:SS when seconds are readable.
**3:34:28**
